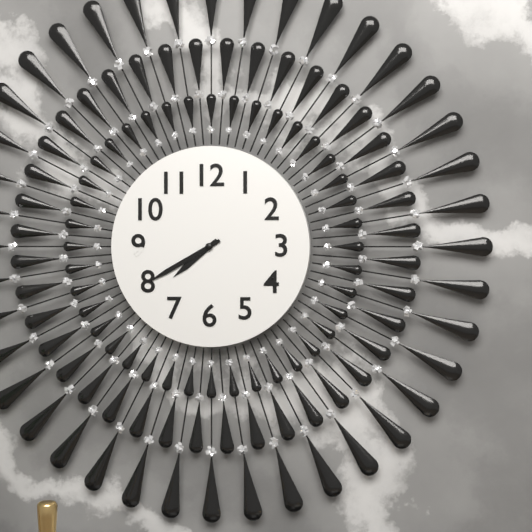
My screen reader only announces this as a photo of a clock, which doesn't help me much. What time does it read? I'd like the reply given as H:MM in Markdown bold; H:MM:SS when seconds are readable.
**7:40**
